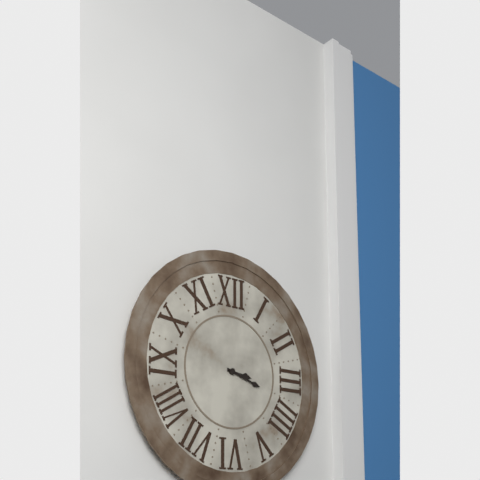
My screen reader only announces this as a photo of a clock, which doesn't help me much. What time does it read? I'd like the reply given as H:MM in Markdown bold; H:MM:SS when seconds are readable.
**3:18**
